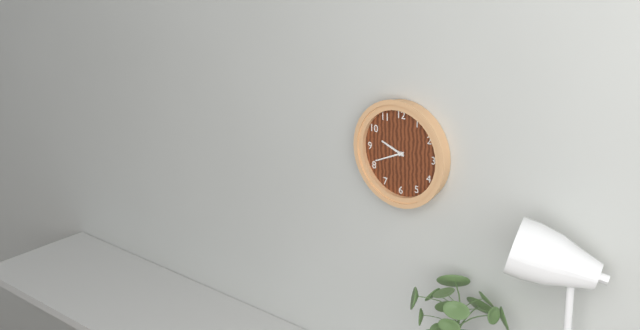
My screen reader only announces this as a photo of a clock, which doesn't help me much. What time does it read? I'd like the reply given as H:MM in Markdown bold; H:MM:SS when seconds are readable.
**9:41**
